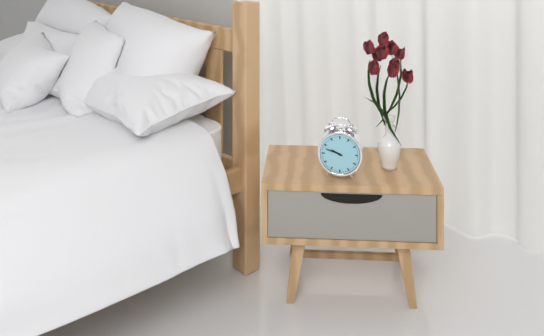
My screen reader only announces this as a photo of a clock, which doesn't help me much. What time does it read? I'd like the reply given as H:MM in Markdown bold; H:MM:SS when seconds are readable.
**9:48**
